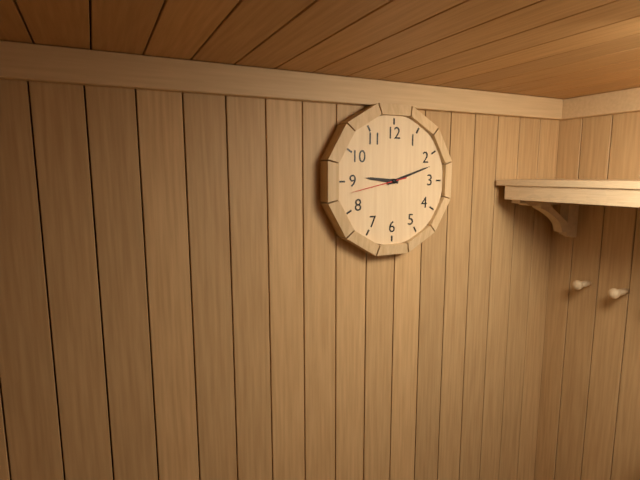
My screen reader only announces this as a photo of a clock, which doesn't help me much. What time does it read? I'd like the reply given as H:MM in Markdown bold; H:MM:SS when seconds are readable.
**9:12:43**
